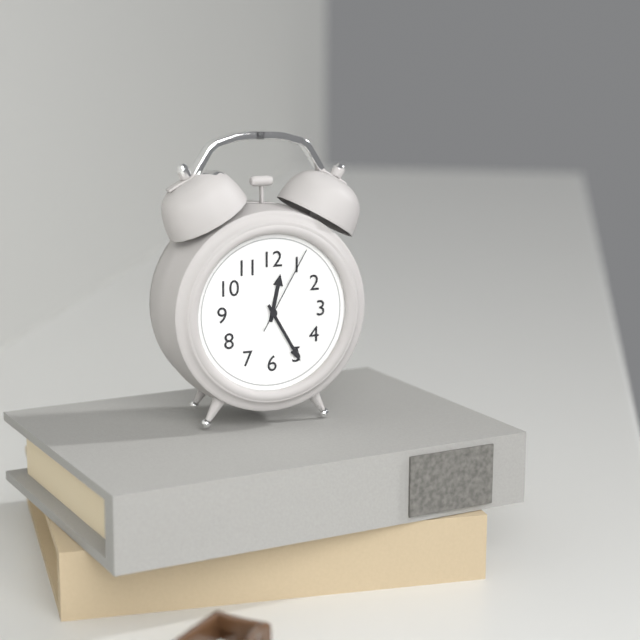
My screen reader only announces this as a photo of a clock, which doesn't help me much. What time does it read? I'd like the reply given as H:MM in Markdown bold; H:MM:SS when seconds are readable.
**12:25:05**
